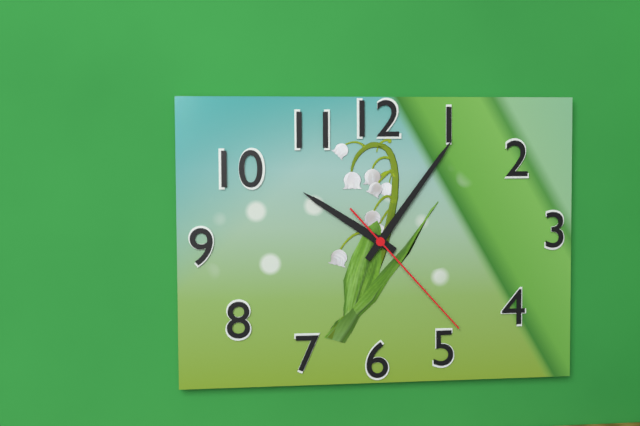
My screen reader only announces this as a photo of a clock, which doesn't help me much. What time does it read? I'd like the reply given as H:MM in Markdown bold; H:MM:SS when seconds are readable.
**10:06:23**
